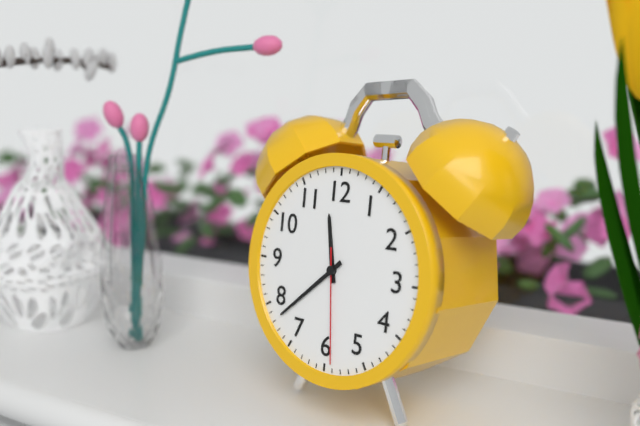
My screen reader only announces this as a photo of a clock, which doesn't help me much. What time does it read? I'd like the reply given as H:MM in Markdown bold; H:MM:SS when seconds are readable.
**11:38:29**
